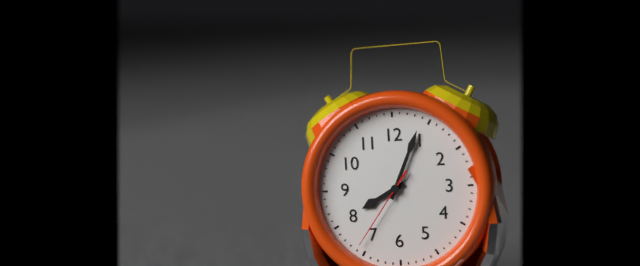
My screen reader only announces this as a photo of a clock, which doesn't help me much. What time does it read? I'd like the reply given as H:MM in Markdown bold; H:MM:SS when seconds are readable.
**8:04:36**
